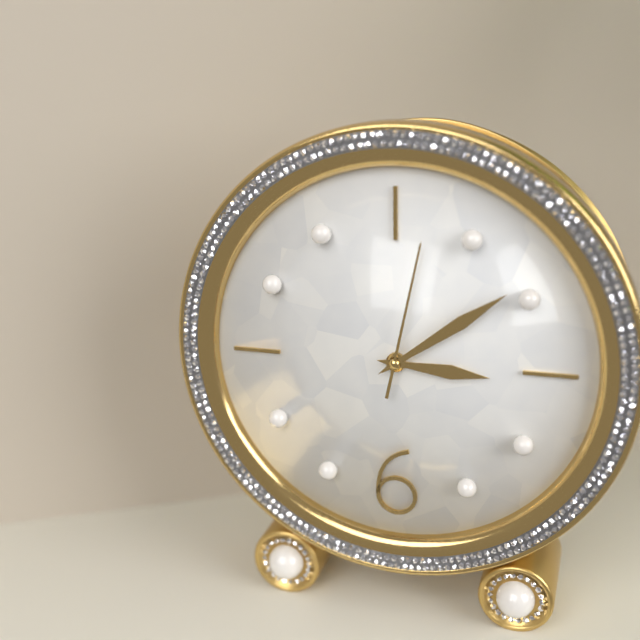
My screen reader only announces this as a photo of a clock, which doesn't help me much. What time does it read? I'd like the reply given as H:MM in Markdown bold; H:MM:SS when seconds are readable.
**3:09:02**
